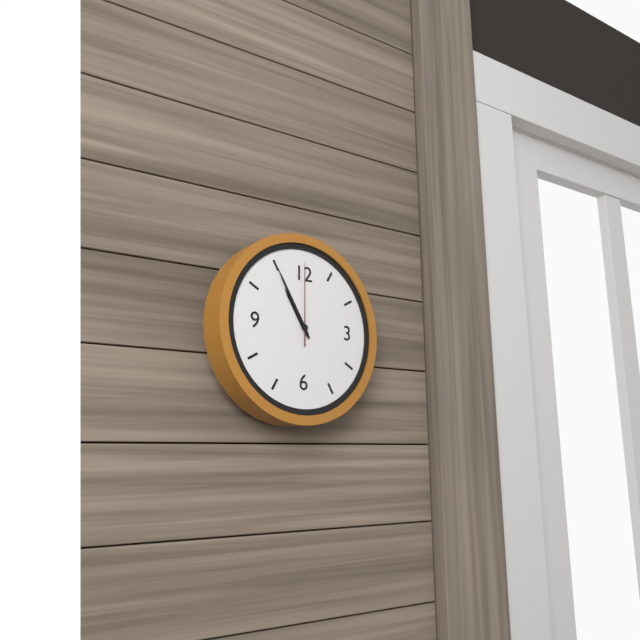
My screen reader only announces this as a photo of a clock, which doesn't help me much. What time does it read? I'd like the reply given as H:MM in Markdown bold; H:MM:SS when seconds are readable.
**10:55:00**
